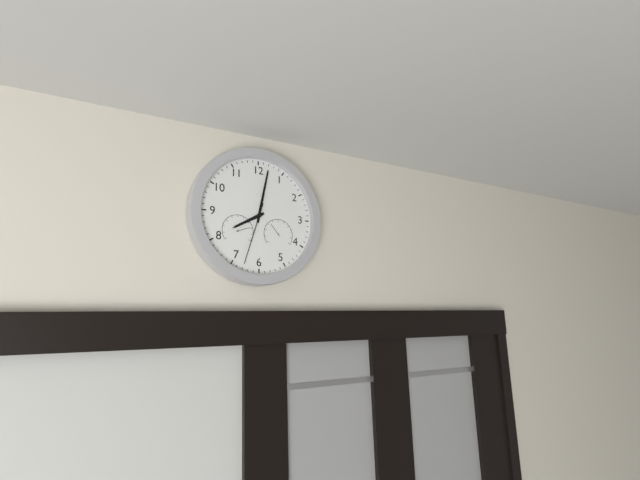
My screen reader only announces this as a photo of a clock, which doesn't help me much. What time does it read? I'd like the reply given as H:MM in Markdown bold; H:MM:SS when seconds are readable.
**8:02:33**
